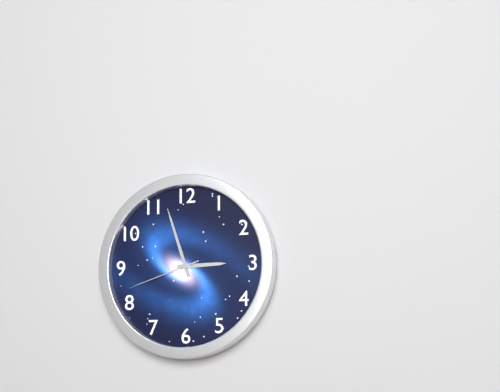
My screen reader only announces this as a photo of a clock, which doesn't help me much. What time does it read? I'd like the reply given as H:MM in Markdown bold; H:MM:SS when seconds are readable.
**2:57:42**
